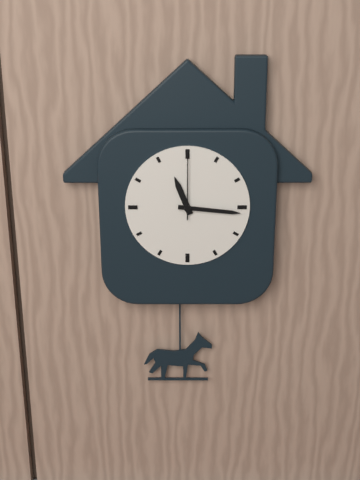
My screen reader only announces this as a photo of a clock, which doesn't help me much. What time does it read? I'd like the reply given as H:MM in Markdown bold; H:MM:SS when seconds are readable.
**11:16:00**
